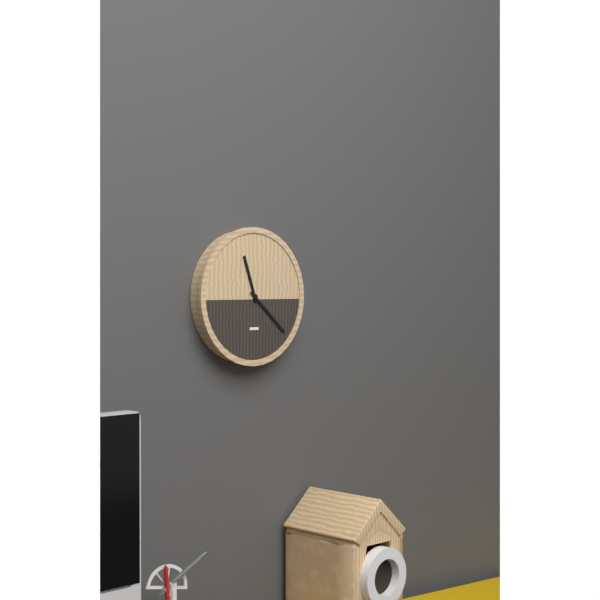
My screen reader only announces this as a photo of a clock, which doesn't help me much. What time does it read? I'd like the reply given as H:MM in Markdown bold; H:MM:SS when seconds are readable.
**11:22**
